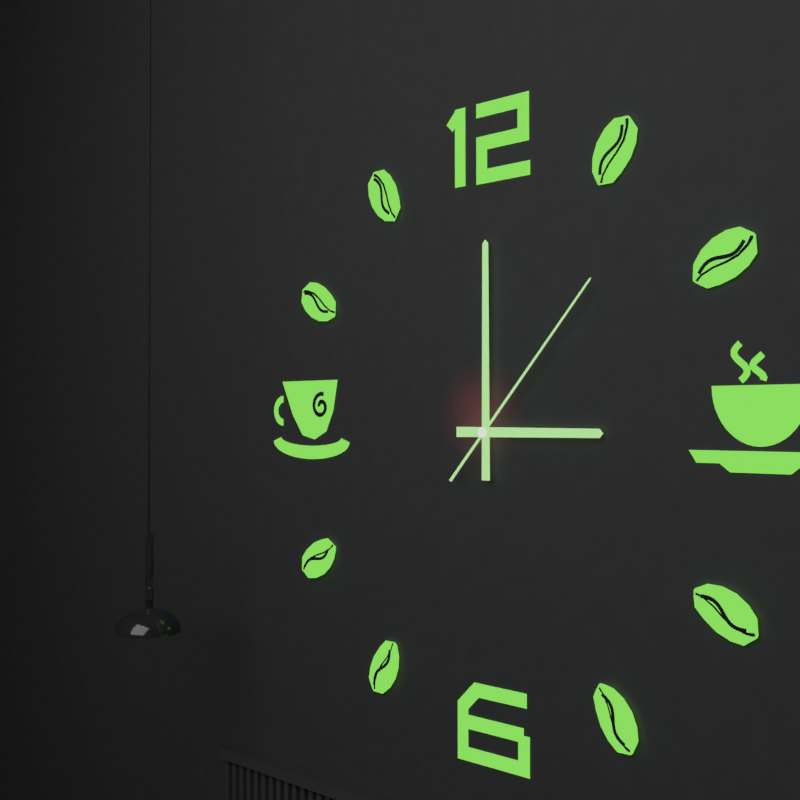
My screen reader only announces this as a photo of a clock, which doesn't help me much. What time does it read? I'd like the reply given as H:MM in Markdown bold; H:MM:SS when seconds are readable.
**3:00:07**
